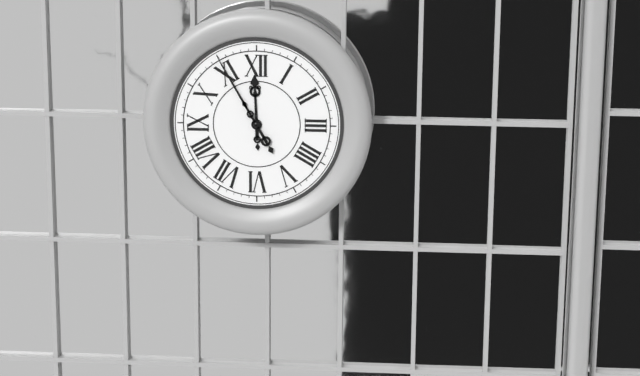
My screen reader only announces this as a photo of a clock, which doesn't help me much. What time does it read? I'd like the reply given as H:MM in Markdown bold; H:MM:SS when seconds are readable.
**11:55**
